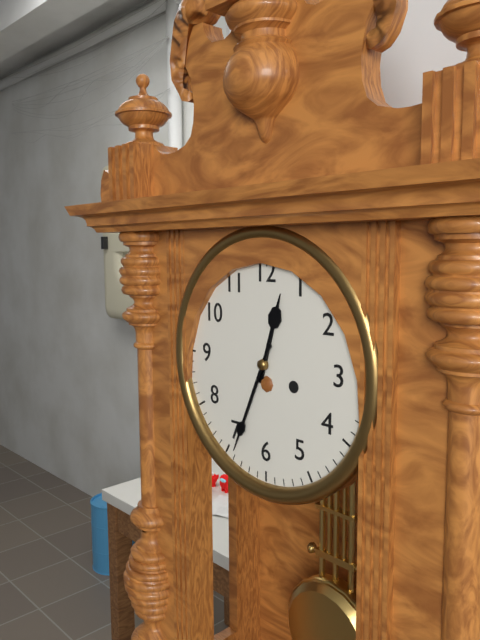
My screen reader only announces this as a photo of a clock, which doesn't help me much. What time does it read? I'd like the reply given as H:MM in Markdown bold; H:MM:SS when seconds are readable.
**12:34**
